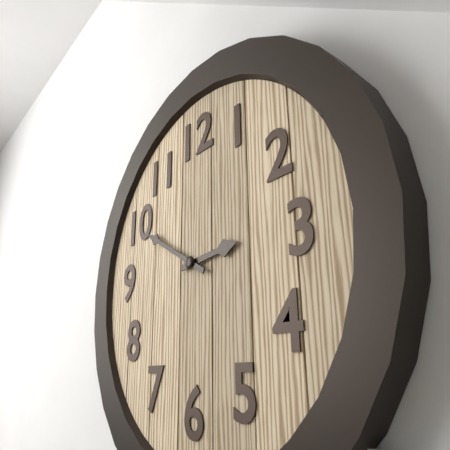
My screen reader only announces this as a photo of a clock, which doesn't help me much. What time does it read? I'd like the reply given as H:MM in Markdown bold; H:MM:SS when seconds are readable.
**2:50**
